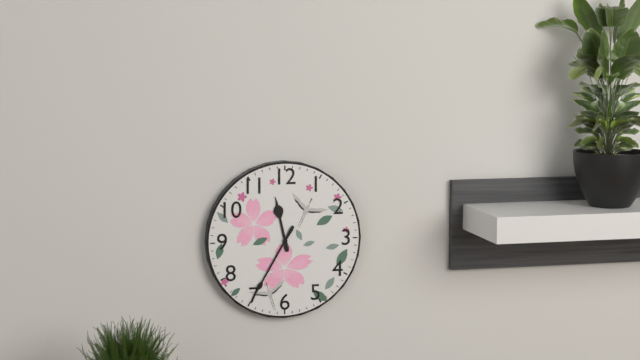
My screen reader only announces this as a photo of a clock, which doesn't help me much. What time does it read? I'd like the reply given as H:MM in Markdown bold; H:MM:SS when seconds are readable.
**11:35**
